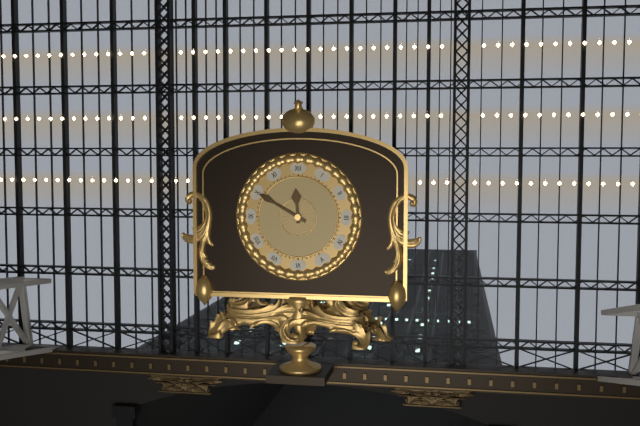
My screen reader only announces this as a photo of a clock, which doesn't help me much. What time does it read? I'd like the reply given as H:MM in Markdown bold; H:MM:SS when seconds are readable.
**11:50**
